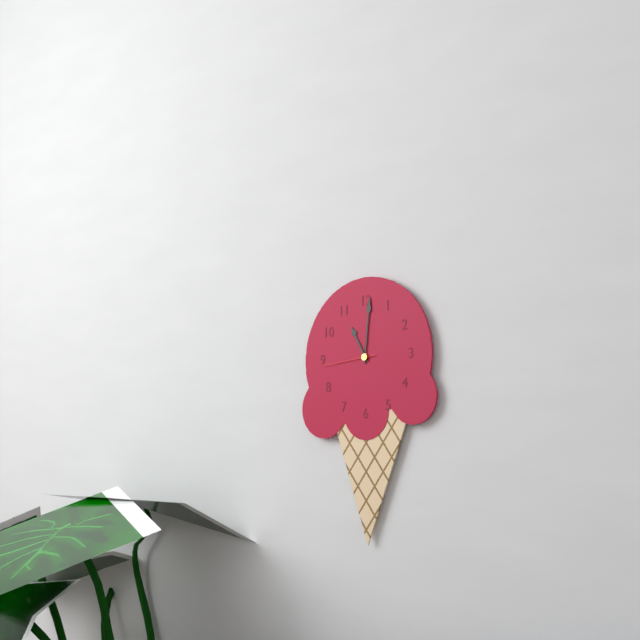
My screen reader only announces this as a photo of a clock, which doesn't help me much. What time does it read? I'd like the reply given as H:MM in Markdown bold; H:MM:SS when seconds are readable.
**11:01:44**
